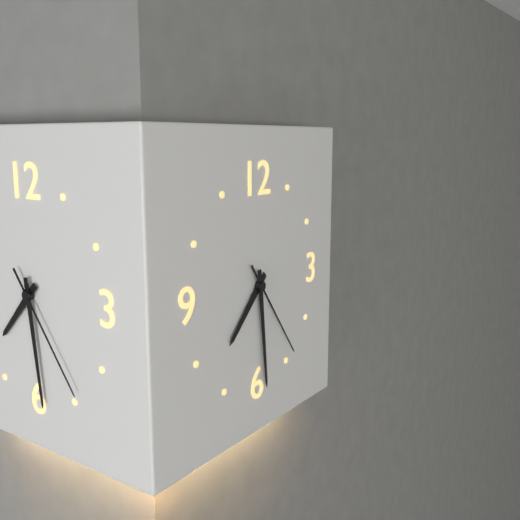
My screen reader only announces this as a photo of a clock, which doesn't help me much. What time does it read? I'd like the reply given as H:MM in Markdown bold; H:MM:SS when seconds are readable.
**7:29:24**
